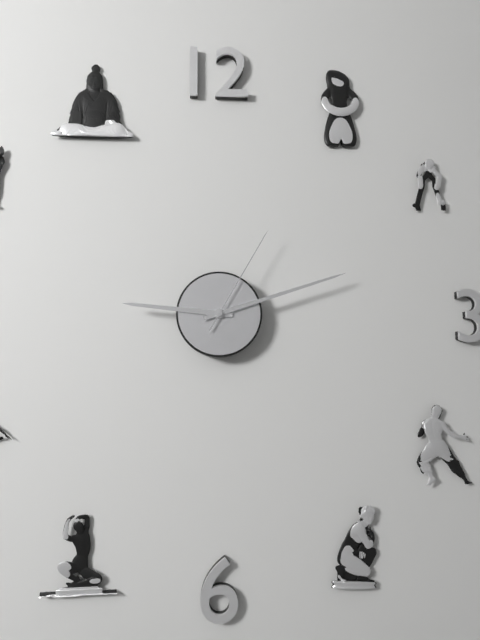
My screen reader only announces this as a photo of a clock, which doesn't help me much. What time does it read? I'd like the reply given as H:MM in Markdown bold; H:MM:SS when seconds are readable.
**9:12:05**
